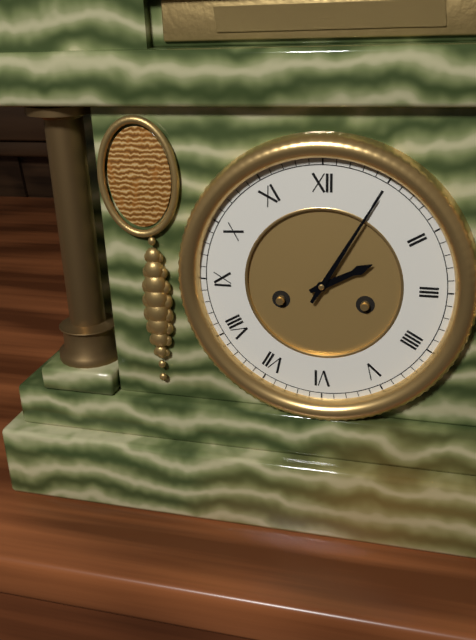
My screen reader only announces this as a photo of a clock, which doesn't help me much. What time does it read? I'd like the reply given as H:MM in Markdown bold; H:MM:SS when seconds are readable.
**2:05**
